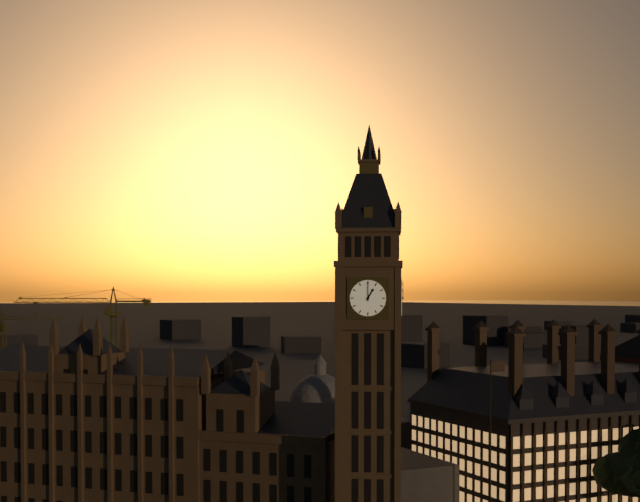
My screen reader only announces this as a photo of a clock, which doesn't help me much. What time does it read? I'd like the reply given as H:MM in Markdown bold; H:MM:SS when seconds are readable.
**1:00**
